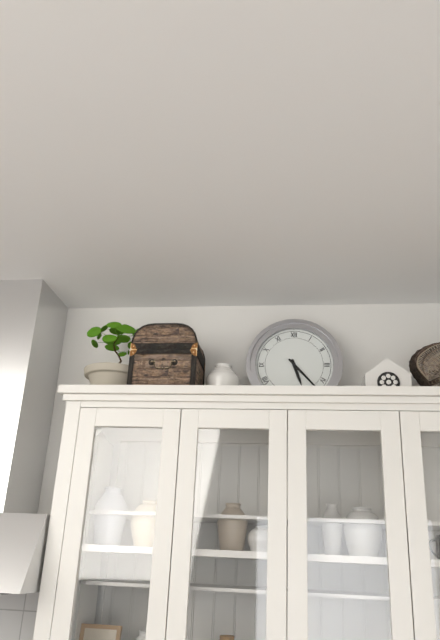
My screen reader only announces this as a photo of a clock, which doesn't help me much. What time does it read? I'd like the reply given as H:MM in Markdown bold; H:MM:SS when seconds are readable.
**5:23**
